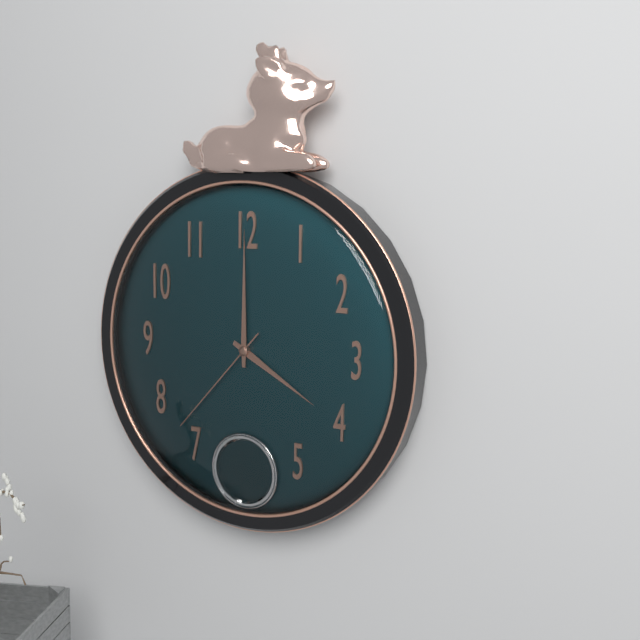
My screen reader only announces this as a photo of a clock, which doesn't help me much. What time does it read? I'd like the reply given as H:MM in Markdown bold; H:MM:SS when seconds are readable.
**4:00:37**
